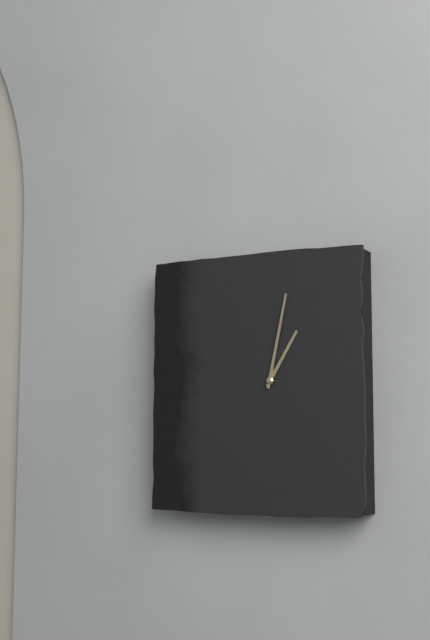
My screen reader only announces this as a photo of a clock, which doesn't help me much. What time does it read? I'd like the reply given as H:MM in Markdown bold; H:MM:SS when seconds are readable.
**1:02**
